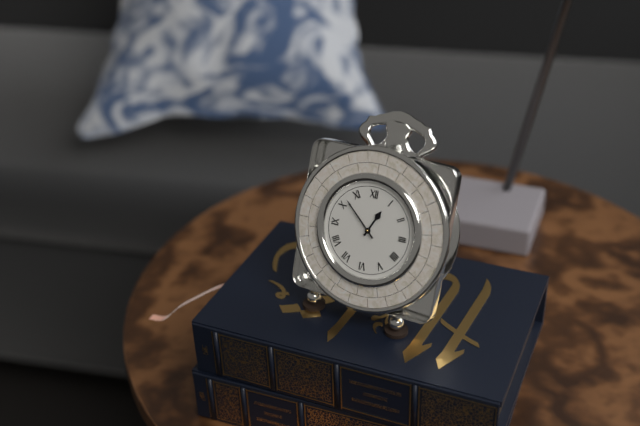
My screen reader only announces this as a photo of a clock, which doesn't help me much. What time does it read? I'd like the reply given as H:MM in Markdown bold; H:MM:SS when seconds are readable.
**12:52**
